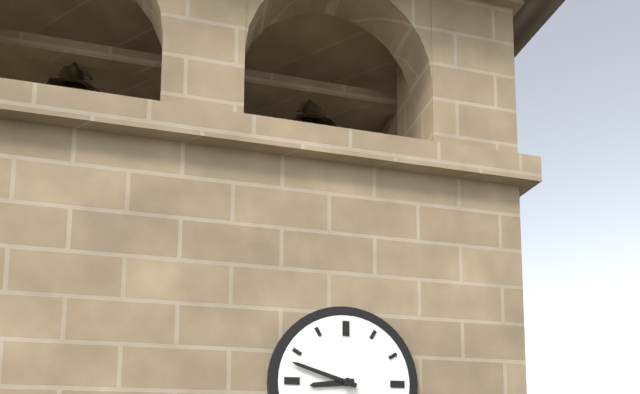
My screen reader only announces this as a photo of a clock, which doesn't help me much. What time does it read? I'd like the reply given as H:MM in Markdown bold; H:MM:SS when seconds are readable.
**8:48**
